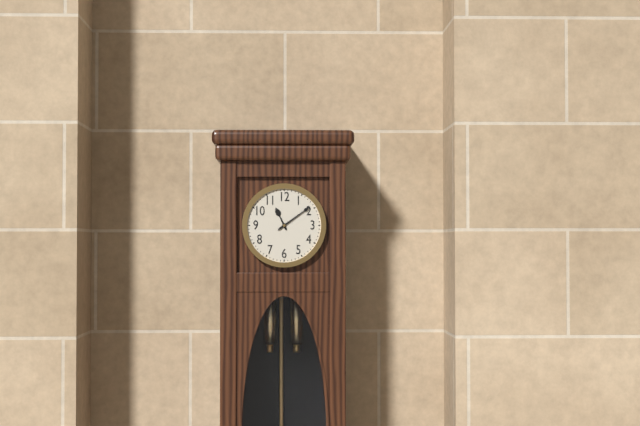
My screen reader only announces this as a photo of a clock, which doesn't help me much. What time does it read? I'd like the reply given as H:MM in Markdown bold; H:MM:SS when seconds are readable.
**11:09**
